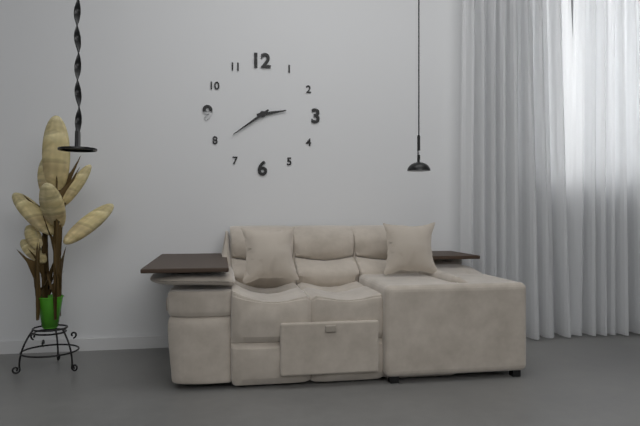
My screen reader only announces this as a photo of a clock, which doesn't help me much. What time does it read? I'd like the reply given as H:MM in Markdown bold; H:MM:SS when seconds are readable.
**2:39**
